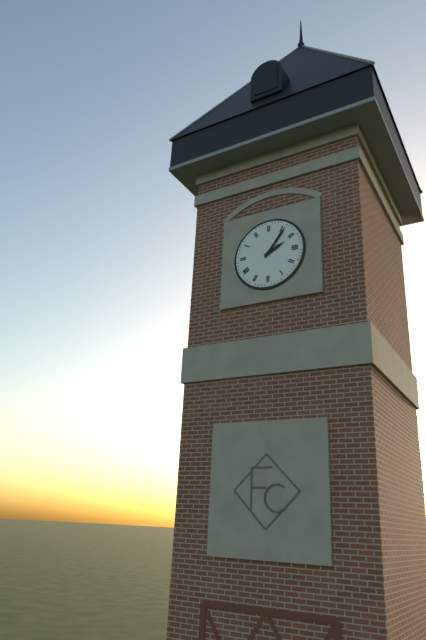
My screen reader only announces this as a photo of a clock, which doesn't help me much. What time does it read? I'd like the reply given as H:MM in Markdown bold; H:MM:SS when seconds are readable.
**2:06**
